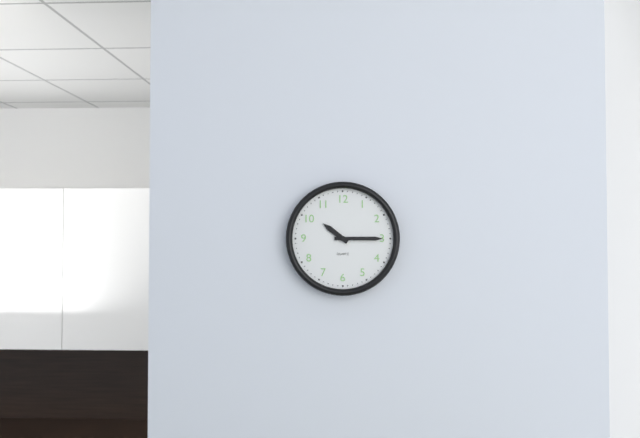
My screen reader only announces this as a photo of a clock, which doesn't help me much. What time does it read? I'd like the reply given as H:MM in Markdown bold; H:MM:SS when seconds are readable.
**10:15**
